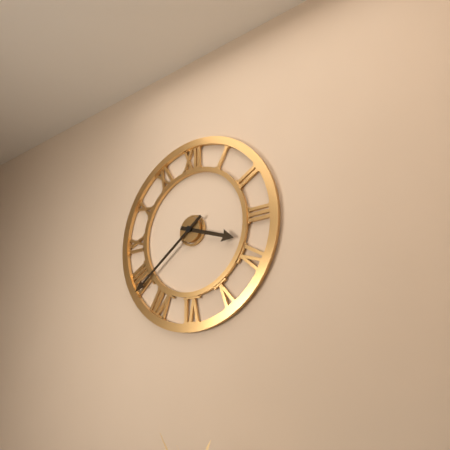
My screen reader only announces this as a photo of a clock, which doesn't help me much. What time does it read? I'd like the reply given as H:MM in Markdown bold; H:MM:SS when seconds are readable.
**3:39**
